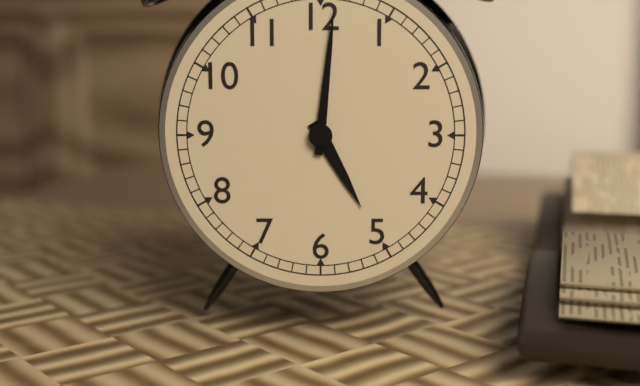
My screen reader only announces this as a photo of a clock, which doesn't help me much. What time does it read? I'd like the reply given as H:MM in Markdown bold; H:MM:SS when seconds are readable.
**5:01**
